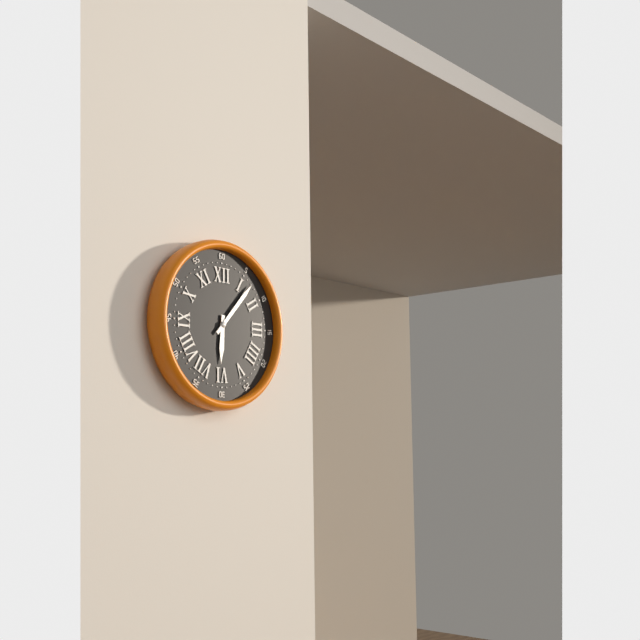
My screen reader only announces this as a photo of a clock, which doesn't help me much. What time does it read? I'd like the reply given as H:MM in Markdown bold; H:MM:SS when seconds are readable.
**6:07**
